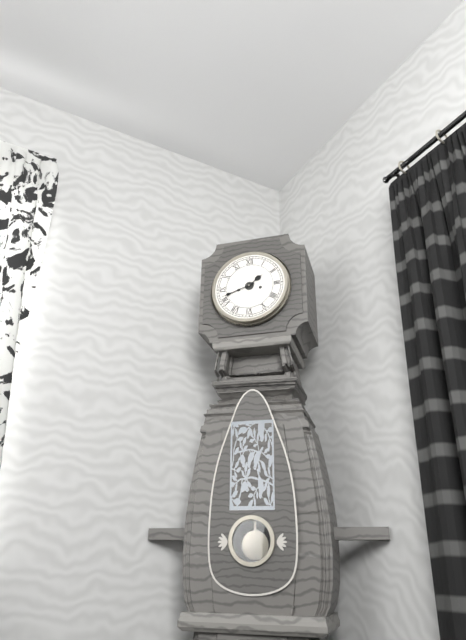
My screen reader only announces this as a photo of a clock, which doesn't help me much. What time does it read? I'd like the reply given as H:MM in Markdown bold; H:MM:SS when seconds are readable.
**1:42**
